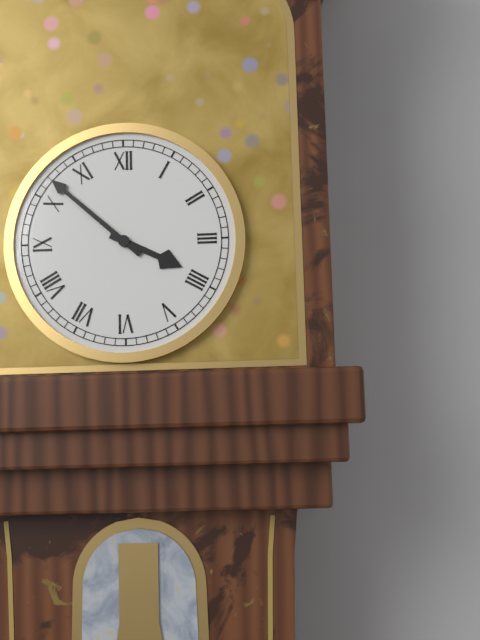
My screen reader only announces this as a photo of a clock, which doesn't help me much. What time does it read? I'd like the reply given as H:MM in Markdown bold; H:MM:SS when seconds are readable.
**3:52**
